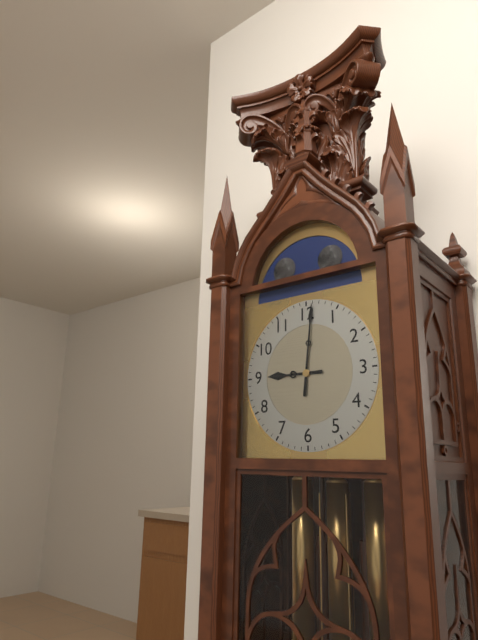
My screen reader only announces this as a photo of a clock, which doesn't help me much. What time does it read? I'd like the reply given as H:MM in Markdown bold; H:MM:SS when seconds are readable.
**9:01**
